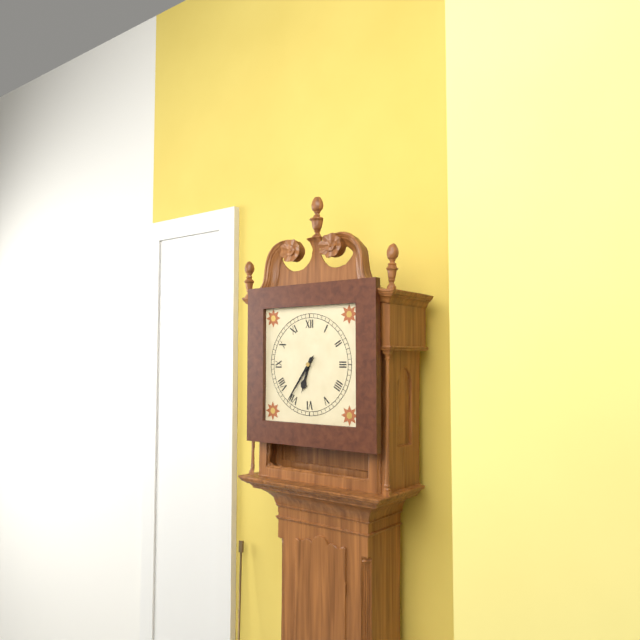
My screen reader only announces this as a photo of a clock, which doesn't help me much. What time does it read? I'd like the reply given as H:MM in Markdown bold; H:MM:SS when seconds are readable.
**6:36**
